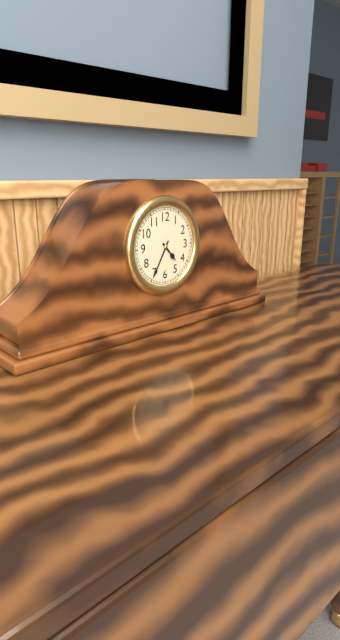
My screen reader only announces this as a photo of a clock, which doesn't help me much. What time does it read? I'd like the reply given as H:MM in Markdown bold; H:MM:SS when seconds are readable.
**4:35**
